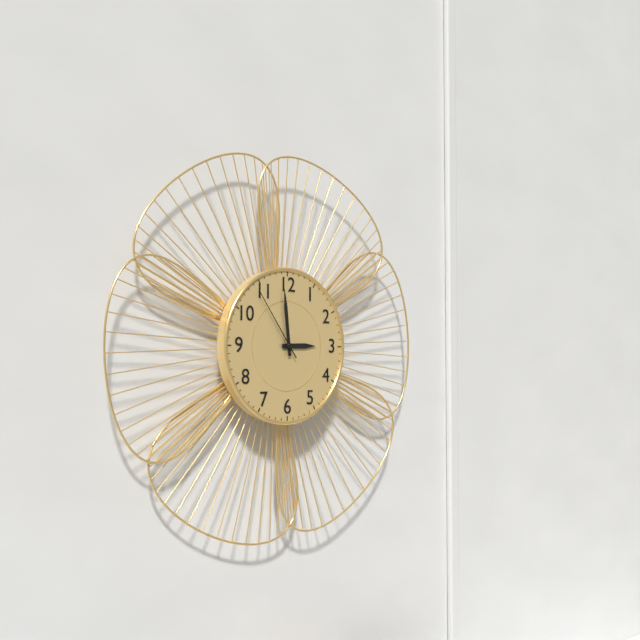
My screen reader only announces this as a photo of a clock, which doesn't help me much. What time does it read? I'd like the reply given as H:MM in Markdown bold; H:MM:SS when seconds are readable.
**2:59:54**
